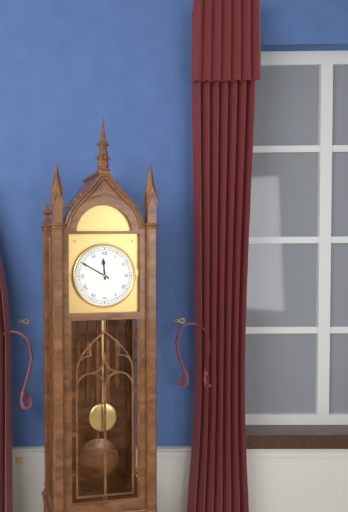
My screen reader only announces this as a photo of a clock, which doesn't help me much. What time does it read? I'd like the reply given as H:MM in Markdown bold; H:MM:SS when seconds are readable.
**11:50**
